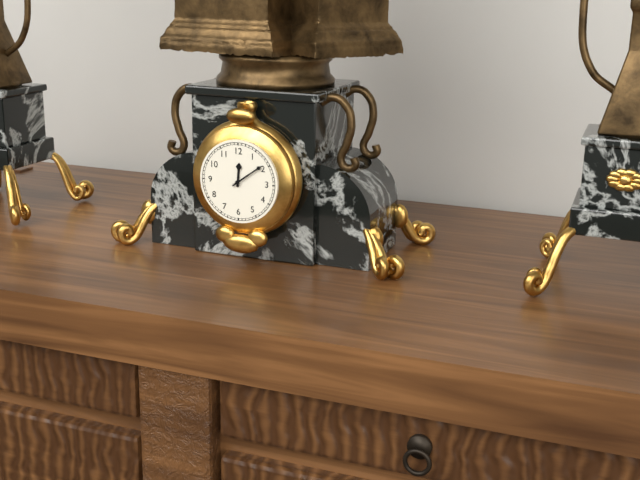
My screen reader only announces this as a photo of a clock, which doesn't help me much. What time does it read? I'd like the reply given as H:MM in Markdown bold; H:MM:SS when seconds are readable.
**12:09**
